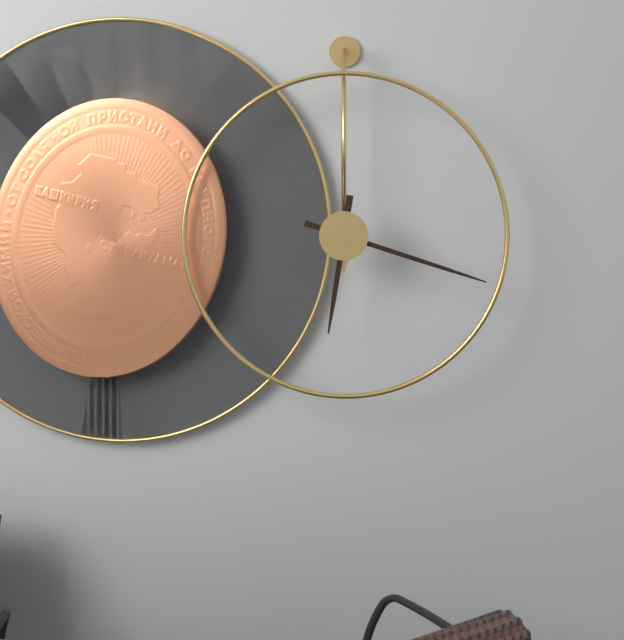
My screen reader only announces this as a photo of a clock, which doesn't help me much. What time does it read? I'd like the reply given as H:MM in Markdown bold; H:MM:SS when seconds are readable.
**6:18**
